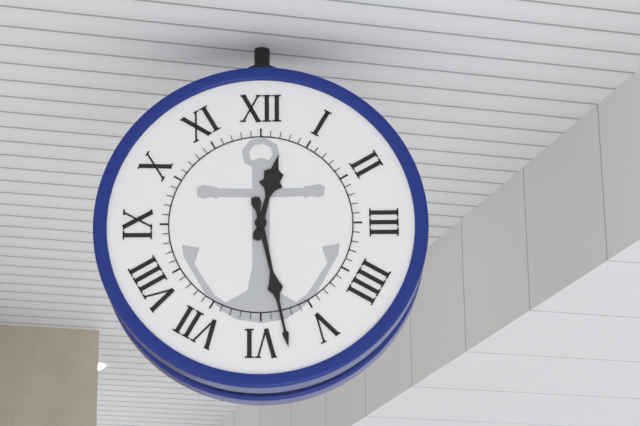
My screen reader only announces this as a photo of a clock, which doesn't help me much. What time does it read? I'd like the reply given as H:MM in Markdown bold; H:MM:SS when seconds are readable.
**12:28**
